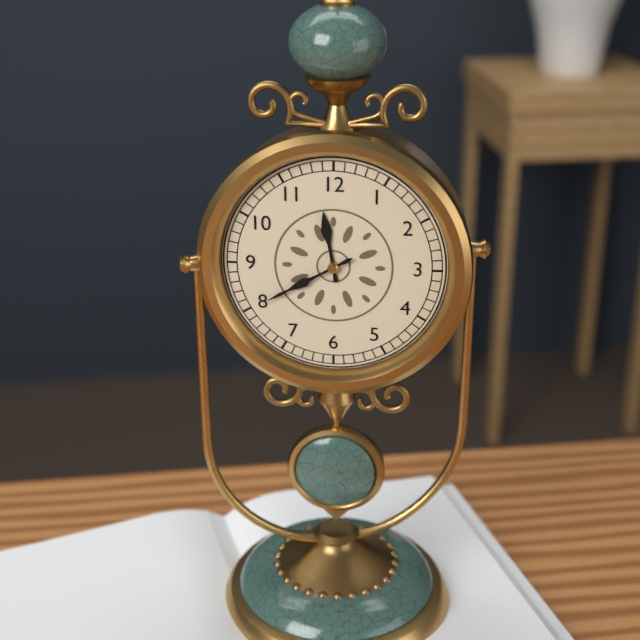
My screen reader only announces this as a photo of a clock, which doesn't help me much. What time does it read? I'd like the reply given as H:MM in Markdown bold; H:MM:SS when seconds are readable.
**11:40**
